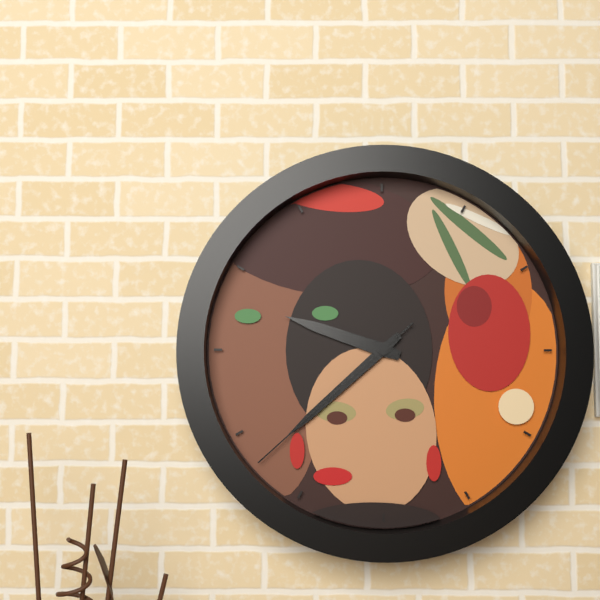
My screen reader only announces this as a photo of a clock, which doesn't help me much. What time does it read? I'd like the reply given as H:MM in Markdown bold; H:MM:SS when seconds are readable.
**9:38:38**
